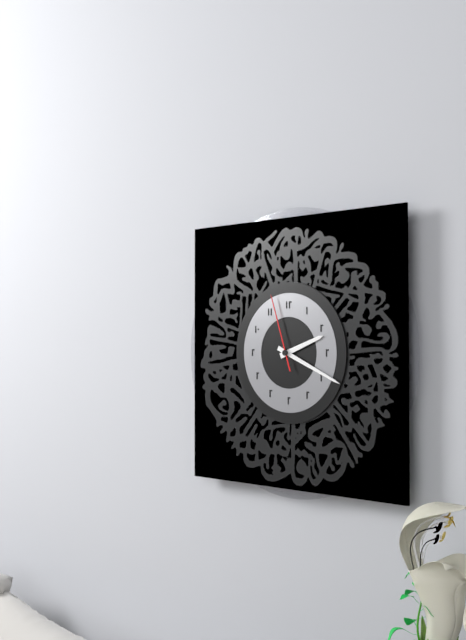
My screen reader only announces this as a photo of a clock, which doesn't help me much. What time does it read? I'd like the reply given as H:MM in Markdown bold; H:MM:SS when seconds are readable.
**2:19:57**
